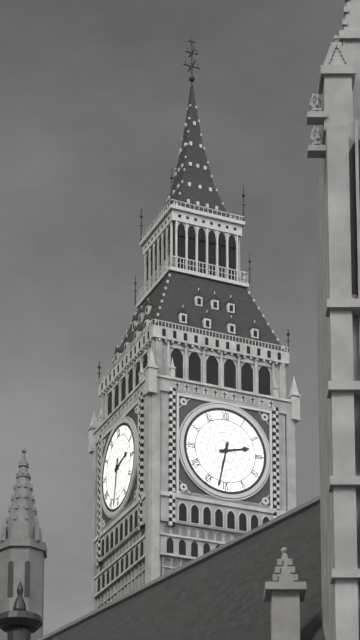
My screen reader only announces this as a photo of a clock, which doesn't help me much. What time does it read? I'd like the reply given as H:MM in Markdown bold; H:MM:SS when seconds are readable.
**2:32**
